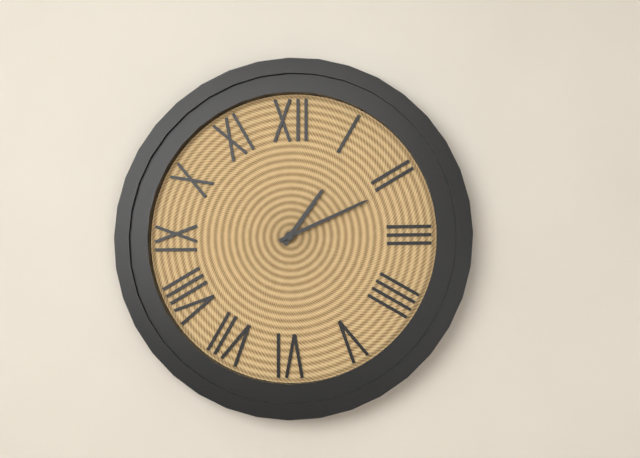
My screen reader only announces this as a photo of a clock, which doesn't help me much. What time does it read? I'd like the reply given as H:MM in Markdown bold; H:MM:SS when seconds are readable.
**1:11**
